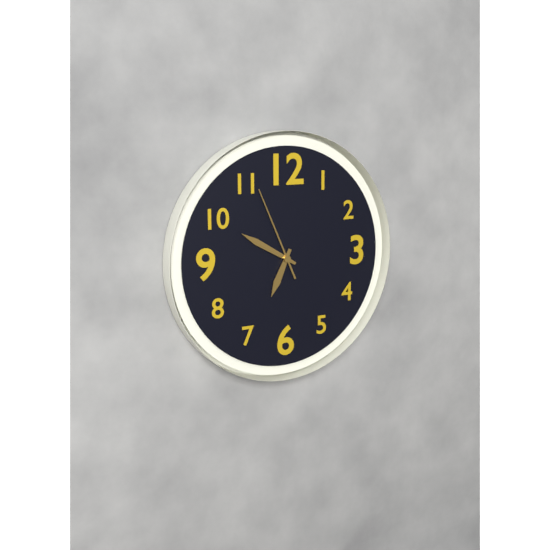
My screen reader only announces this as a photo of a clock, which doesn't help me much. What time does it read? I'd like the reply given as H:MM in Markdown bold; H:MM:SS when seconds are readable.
**6:50:56**
